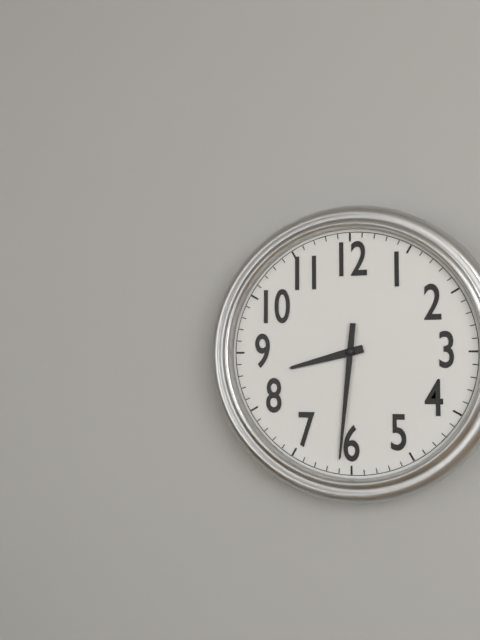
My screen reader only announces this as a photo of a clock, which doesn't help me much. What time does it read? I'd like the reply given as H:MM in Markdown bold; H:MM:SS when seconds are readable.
**8:31**
